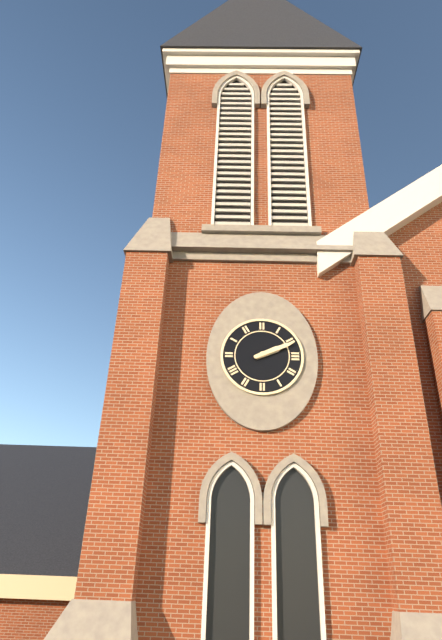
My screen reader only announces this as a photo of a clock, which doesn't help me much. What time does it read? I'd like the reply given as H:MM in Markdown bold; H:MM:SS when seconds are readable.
**2:11**
